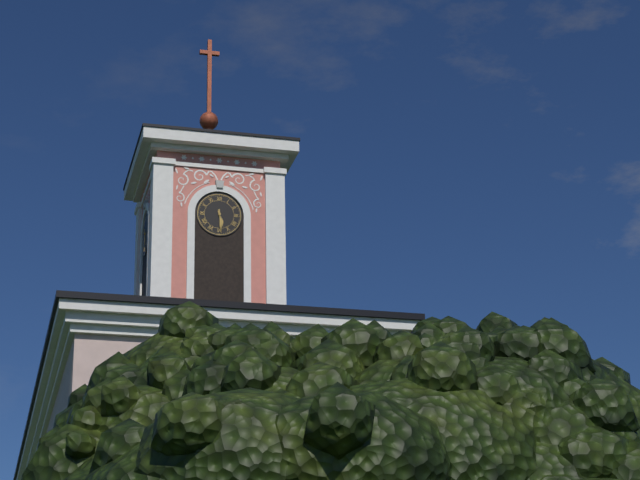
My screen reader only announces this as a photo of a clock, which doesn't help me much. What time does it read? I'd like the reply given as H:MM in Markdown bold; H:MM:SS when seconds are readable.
**5:29**
